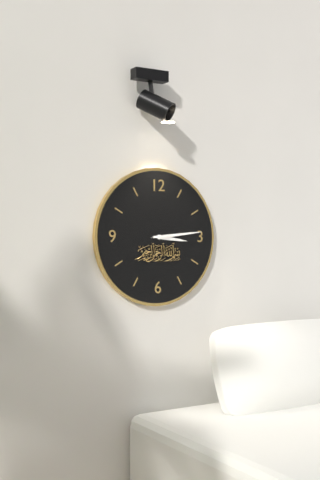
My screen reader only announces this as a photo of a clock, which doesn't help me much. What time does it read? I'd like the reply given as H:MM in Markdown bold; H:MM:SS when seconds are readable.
**3:14**
